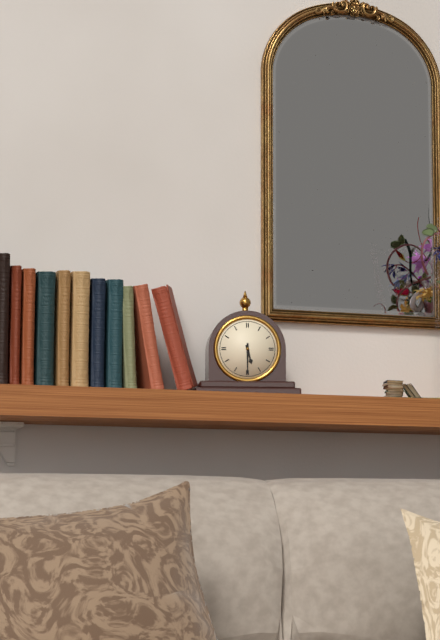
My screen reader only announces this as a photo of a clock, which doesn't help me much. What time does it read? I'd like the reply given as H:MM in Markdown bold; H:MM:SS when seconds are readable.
**5:30**
